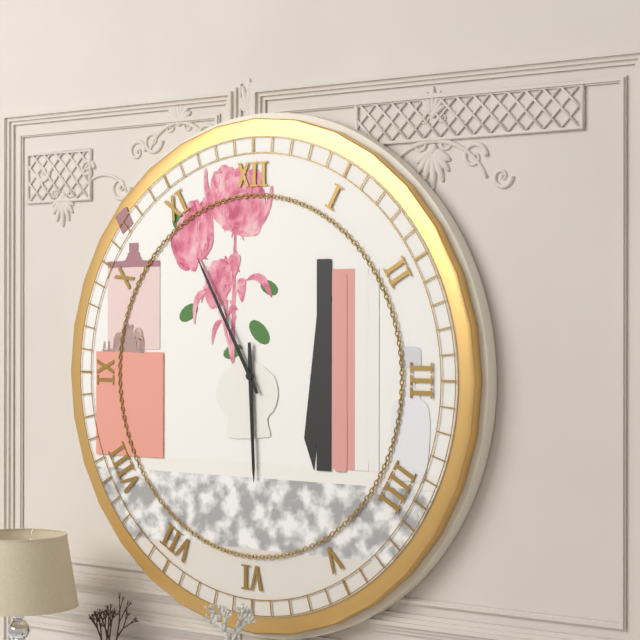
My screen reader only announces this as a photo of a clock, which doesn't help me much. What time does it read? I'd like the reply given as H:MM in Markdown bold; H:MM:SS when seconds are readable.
**5:55**
